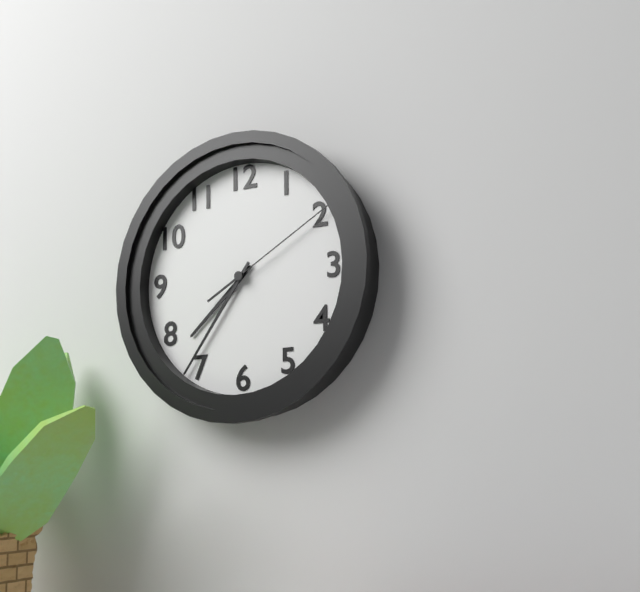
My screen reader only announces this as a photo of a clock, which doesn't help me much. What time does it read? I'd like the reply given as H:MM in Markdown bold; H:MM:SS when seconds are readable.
**7:36:10**
